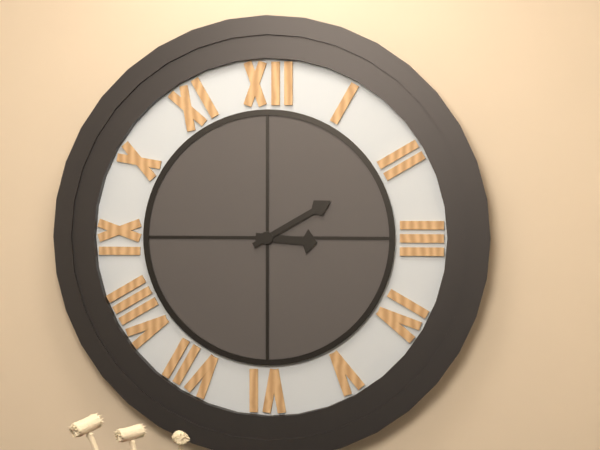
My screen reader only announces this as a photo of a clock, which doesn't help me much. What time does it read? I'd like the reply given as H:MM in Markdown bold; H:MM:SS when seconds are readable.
**3:10**
